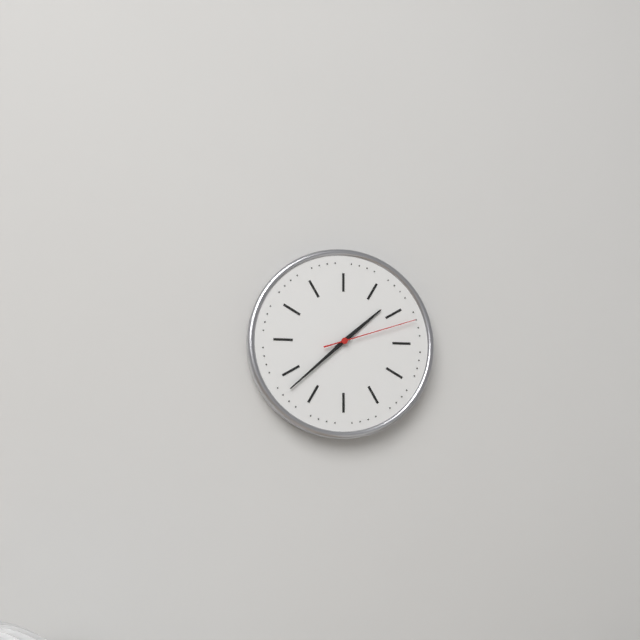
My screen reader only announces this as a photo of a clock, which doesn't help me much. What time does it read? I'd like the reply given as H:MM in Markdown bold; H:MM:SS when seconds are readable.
**1:38:12**
